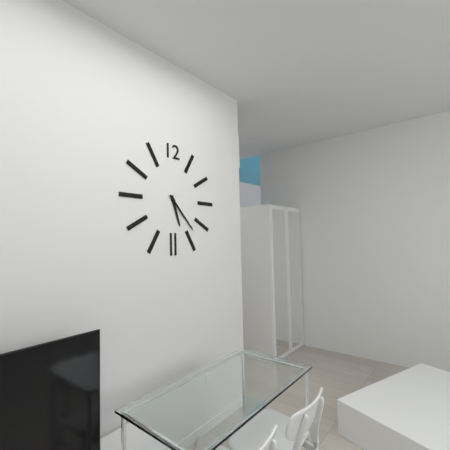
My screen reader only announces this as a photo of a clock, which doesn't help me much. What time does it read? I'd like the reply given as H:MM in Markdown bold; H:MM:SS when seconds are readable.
**5:23**
